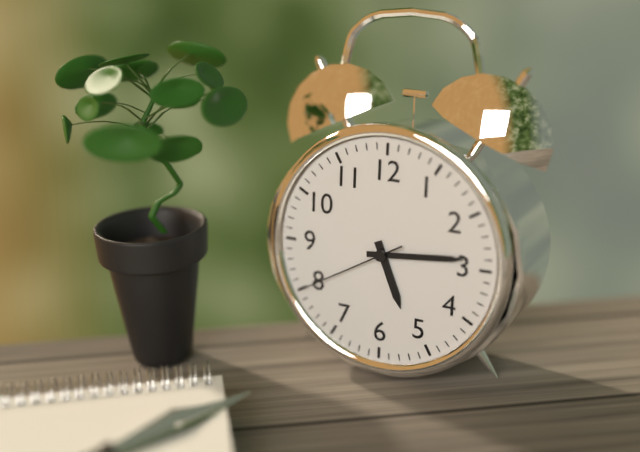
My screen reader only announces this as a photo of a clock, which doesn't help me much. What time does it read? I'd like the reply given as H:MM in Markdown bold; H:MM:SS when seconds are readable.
**5:14:40**
